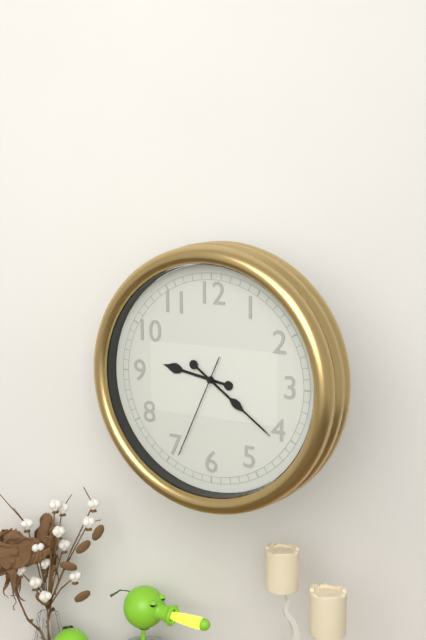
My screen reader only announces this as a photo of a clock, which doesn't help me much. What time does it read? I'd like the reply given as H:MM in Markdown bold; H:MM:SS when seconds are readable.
**9:21:34**
